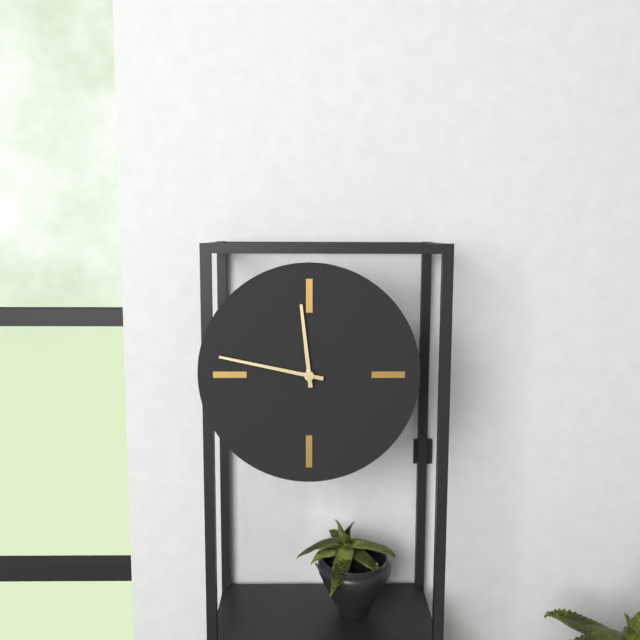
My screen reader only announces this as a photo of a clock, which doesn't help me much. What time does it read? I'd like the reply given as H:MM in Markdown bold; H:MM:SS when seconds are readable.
**11:47**
